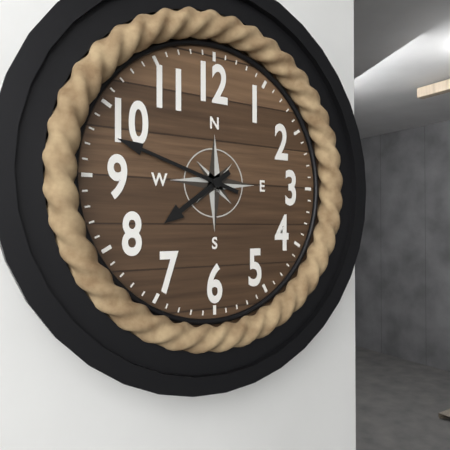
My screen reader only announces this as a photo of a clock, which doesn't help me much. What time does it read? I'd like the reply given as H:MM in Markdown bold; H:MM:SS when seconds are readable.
**7:48**
